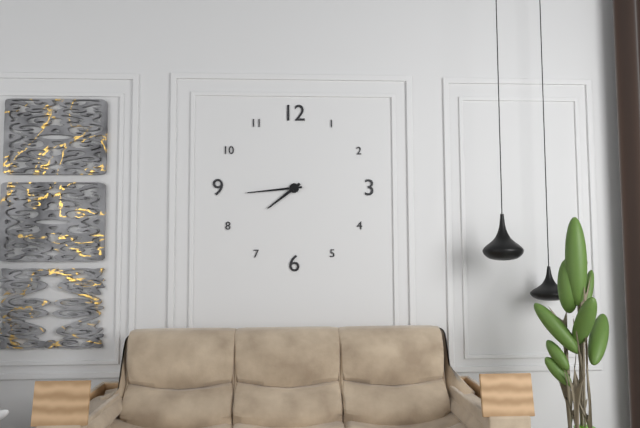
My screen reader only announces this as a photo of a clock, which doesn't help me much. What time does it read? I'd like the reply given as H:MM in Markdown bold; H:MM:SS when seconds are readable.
**7:44**
